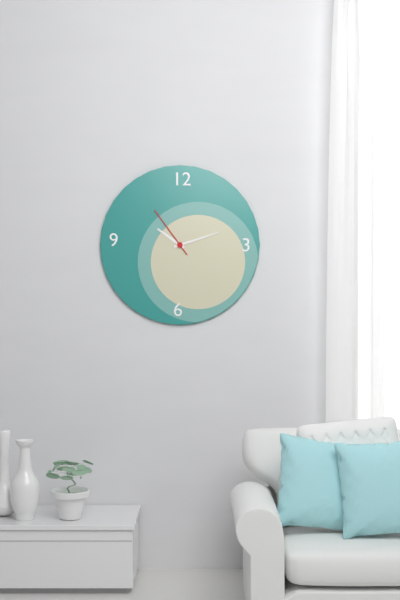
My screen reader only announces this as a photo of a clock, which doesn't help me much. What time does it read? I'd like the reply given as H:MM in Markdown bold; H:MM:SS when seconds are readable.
**10:12:54**
